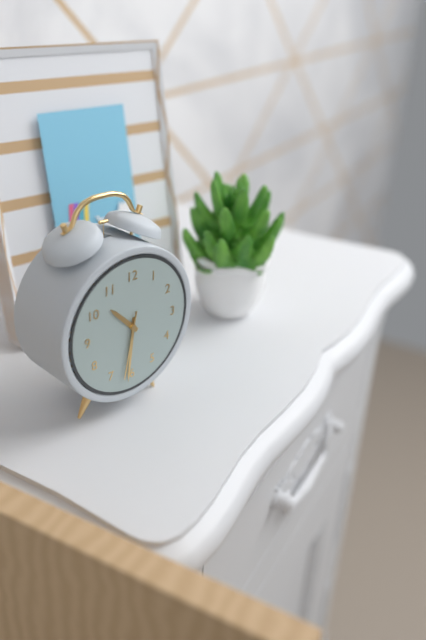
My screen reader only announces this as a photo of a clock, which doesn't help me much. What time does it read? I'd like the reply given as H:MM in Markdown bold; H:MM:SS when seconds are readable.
**10:31:32**
